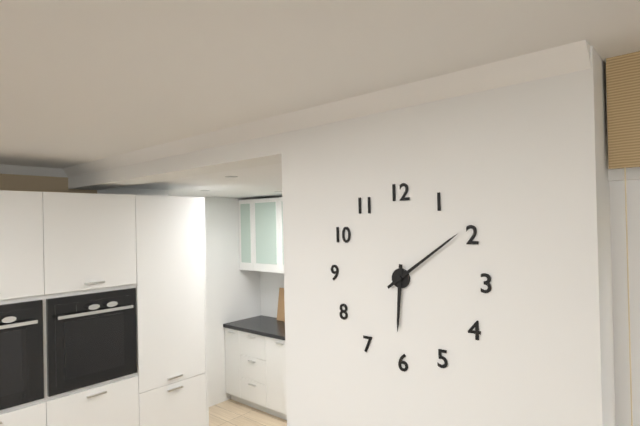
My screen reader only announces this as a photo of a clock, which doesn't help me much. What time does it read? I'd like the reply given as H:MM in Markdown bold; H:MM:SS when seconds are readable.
**6:09**
